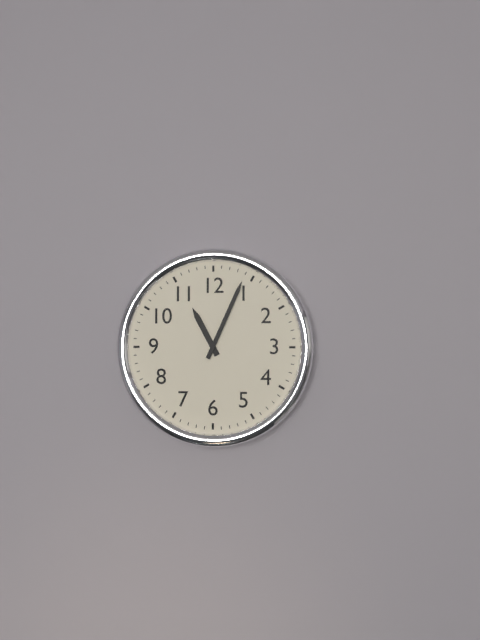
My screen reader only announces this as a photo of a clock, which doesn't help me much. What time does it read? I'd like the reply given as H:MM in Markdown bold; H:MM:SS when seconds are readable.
**11:04**
